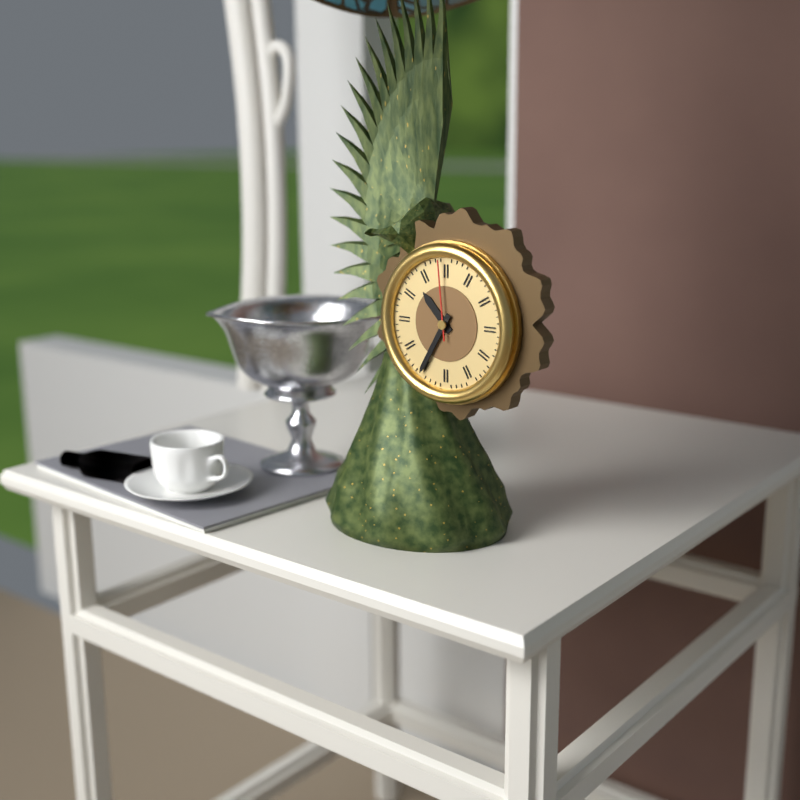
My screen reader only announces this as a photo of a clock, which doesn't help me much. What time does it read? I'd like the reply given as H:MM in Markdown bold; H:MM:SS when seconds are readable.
**10:35:59**
